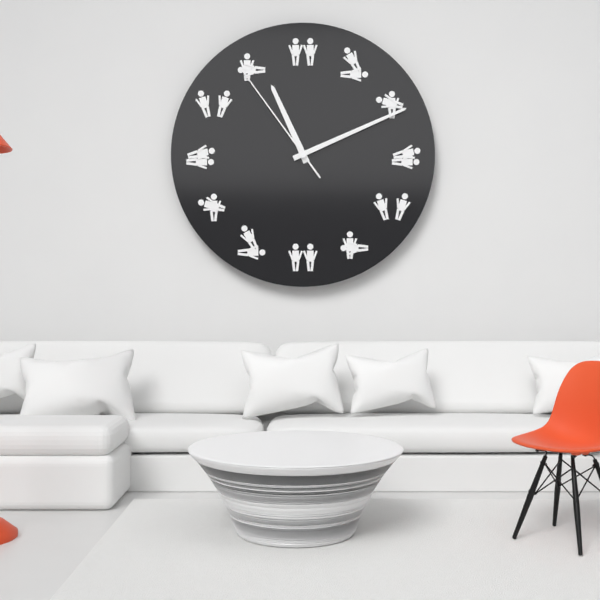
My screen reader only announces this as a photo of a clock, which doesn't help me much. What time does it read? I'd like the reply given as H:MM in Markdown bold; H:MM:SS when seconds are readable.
**11:11:54**
